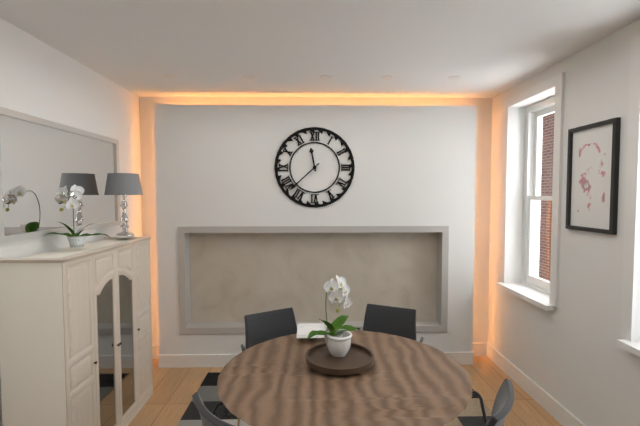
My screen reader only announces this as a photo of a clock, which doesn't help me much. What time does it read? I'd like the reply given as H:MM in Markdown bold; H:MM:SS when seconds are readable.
**11:38**
